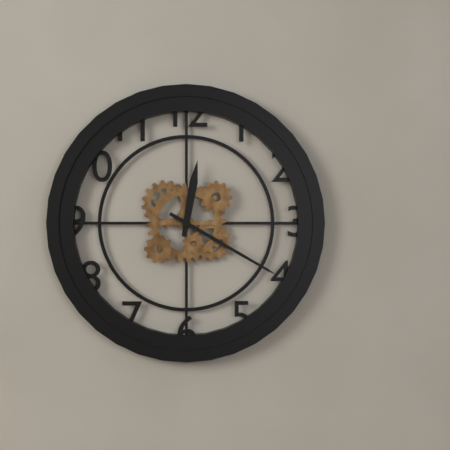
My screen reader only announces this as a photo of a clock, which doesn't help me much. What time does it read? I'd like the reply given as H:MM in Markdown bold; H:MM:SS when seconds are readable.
**12:20**
